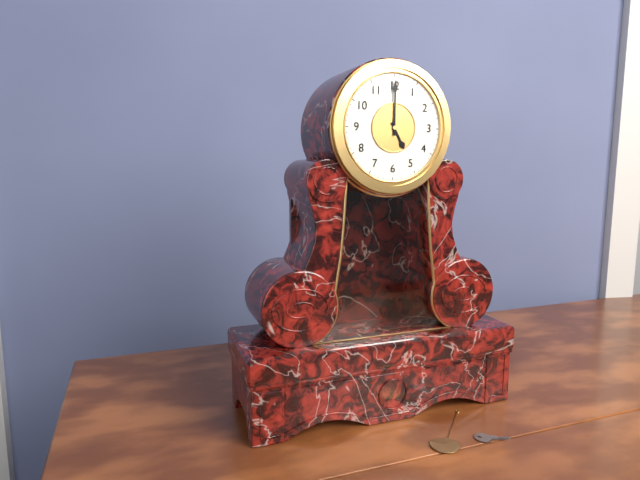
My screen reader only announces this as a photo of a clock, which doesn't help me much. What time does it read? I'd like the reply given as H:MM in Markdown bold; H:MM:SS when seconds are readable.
**5:00**
